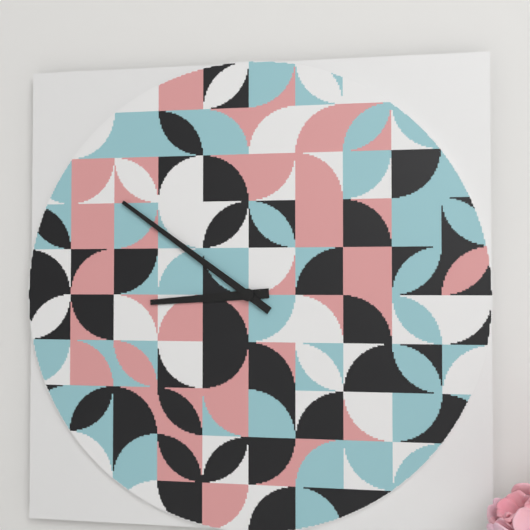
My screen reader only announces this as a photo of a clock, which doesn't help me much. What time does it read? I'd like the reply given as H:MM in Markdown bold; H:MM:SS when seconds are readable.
**8:51**
